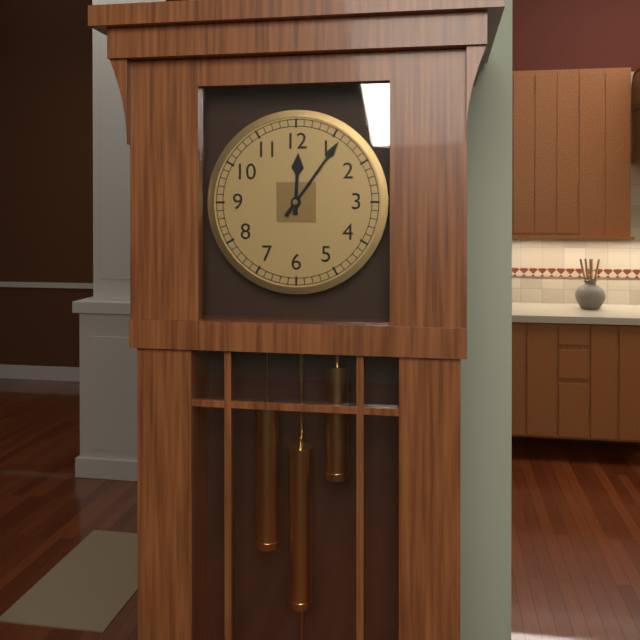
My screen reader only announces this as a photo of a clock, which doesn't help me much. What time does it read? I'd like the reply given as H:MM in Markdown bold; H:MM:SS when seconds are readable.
**12:06**
